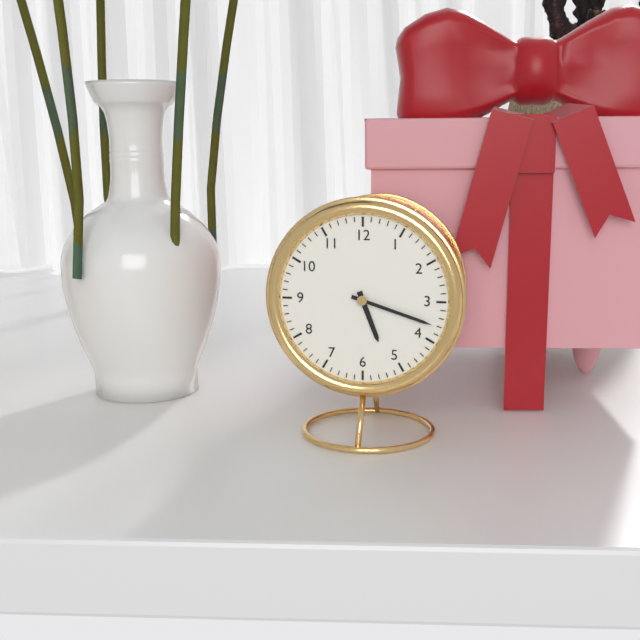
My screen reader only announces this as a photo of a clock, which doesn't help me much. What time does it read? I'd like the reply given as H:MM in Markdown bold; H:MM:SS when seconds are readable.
**5:18**
